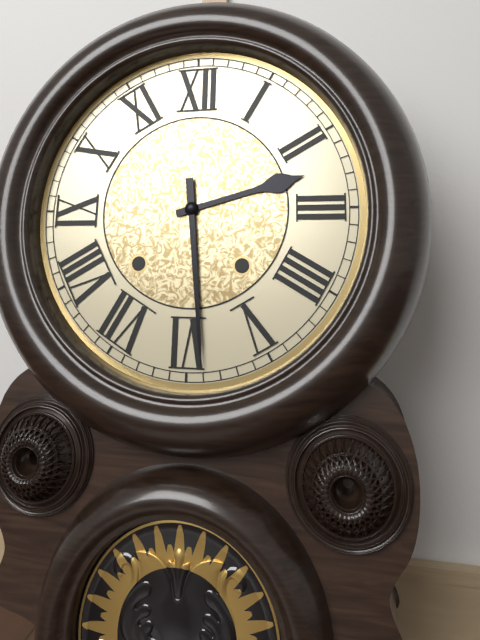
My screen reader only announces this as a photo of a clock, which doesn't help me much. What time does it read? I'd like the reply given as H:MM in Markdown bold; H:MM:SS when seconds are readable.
**2:29**
